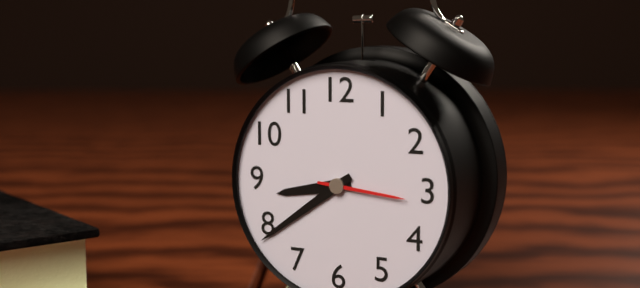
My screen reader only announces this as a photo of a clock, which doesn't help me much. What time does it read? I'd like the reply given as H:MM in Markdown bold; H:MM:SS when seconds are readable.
**8:39:16**
